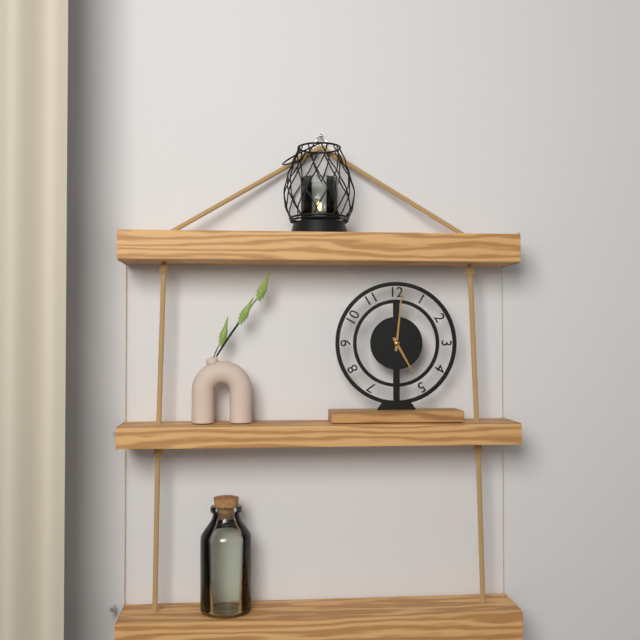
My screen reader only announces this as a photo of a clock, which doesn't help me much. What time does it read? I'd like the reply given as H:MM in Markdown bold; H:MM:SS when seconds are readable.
**5:01**
